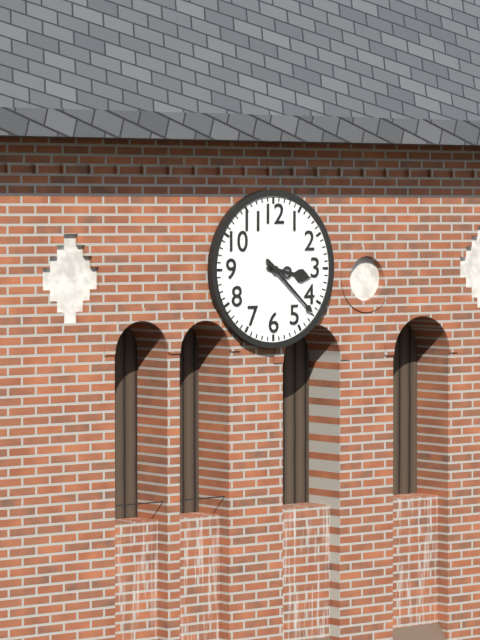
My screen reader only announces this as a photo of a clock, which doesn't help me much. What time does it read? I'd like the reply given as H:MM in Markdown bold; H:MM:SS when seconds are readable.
**3:22**
